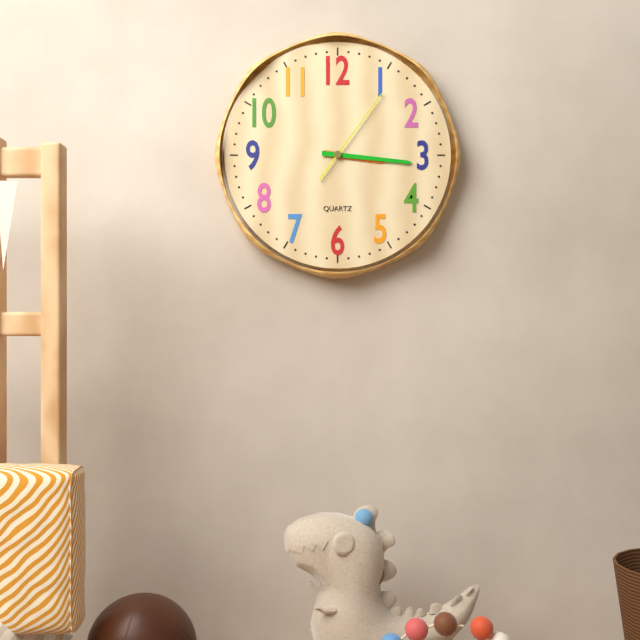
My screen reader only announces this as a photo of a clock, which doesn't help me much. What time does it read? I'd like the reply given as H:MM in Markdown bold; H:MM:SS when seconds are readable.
**3:16:06**
